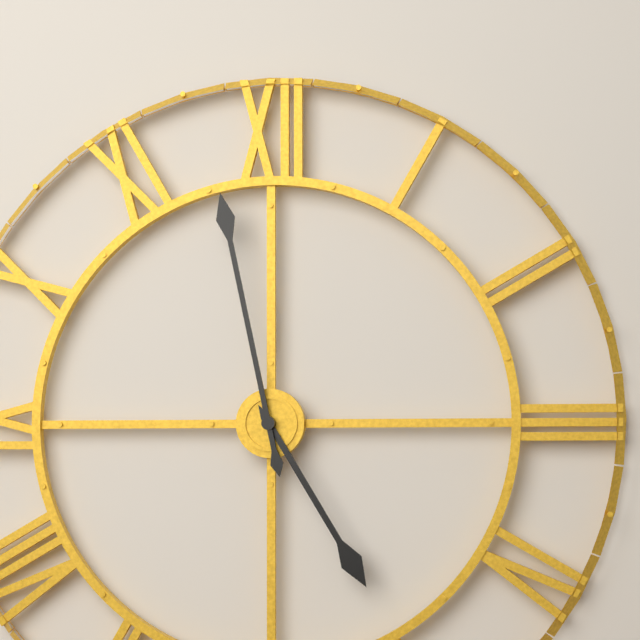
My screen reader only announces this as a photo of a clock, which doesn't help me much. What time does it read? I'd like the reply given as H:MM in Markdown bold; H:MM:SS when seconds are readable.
**4:58**
